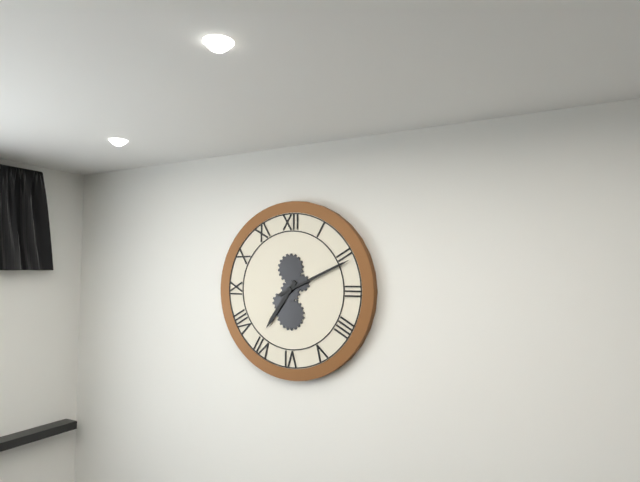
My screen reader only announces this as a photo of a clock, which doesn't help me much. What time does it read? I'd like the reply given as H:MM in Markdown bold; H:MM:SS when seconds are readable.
**7:11**
